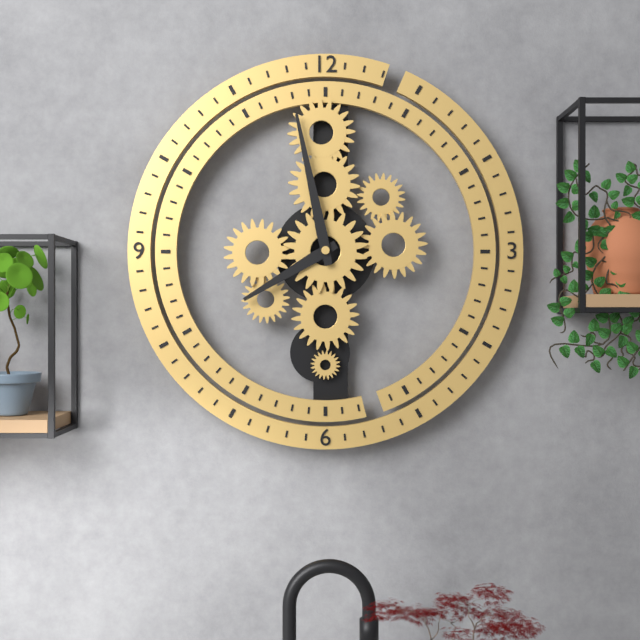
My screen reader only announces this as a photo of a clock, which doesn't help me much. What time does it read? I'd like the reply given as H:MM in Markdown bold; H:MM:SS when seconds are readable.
**7:58**
